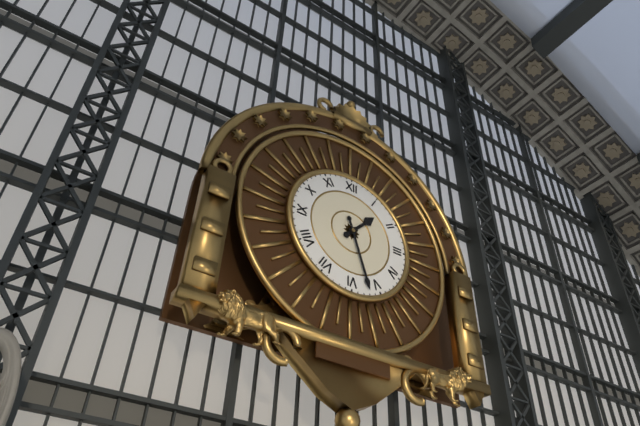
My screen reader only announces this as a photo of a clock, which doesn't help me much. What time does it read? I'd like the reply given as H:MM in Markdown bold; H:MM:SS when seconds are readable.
**1:27**
